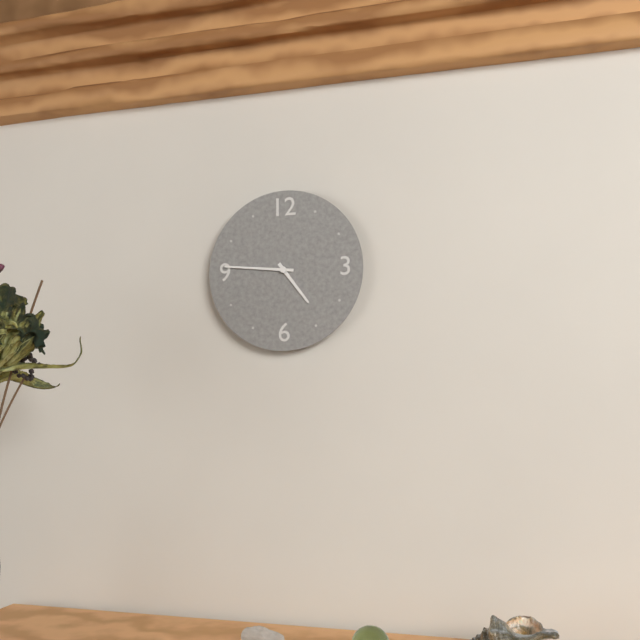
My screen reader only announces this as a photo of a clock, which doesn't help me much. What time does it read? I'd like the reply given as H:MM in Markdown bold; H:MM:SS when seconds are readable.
**4:46**
